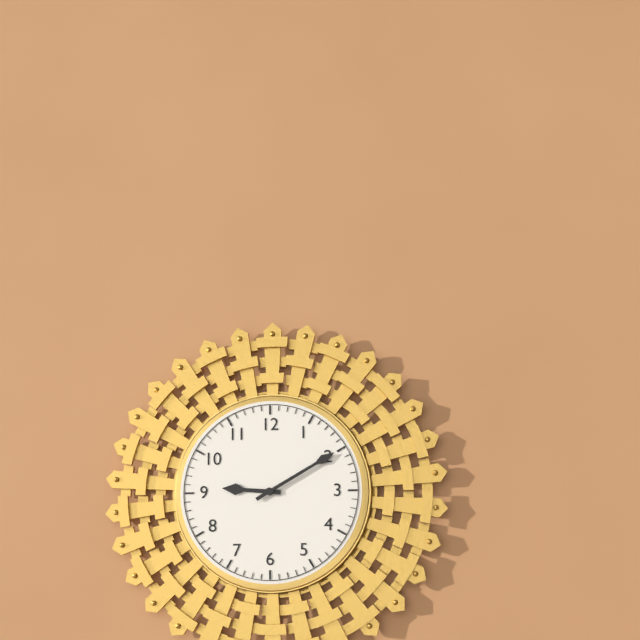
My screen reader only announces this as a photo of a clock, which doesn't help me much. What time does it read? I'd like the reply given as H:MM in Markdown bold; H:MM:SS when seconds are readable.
**9:10**
